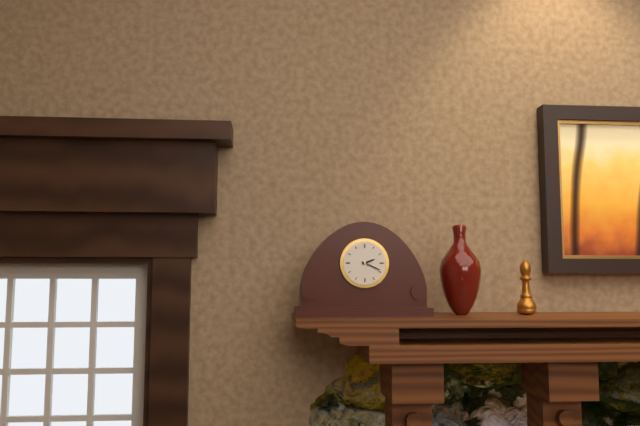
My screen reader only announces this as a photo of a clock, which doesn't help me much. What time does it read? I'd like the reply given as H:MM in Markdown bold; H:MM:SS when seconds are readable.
**2:19**
